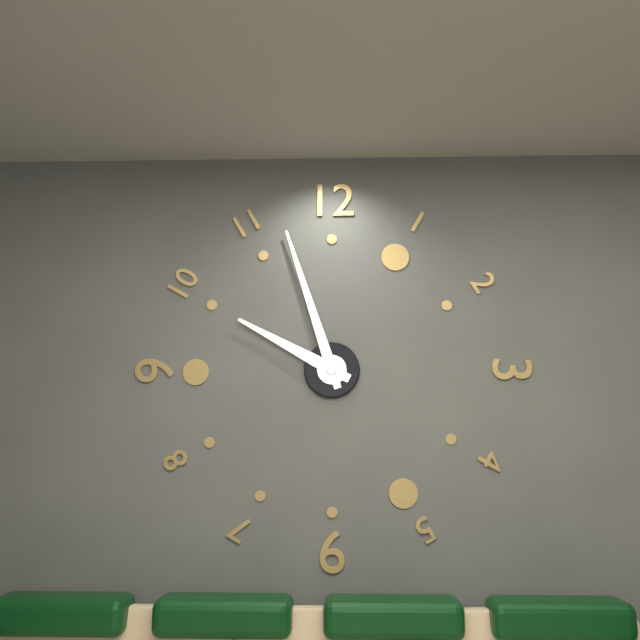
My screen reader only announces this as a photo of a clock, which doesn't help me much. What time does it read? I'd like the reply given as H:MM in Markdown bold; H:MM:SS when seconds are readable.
**9:57**
